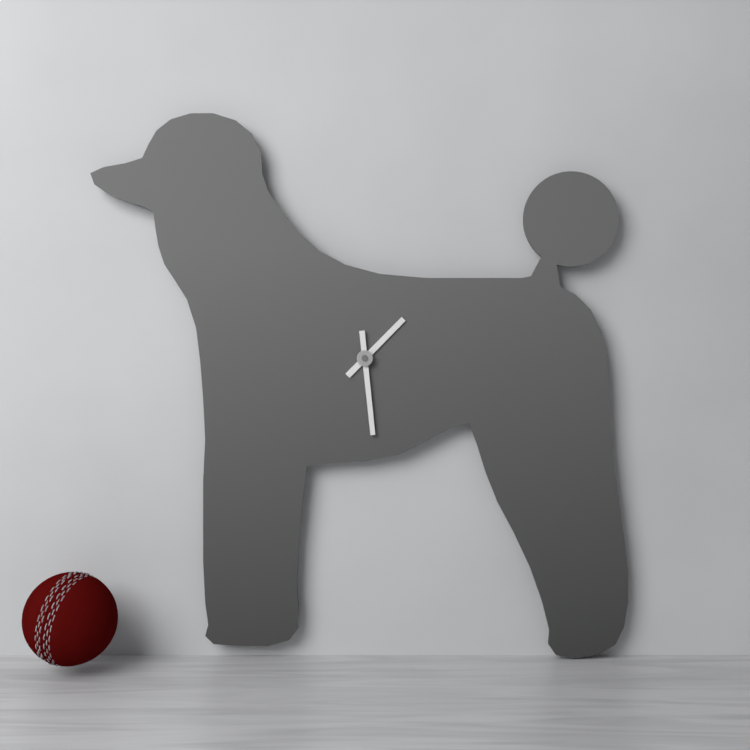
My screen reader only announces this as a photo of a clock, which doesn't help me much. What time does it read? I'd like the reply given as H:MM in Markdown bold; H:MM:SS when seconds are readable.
**1:29**
